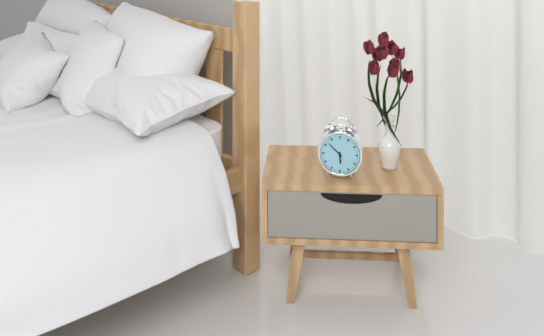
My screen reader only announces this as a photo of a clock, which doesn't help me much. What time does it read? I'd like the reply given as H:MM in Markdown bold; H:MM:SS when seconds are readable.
**5:52**
